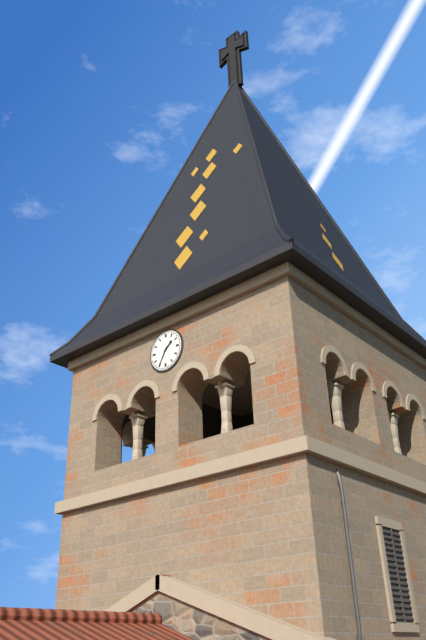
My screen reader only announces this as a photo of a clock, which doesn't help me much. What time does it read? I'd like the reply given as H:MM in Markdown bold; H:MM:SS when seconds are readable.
**1:35**
